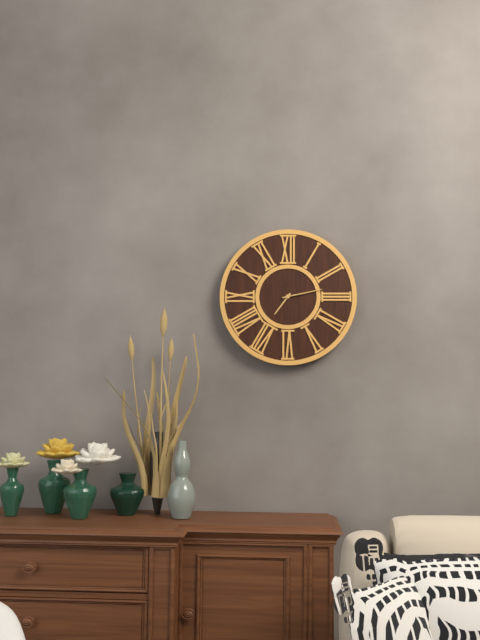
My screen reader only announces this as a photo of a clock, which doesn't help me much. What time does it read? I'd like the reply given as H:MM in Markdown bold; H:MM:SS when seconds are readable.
**7:13**
